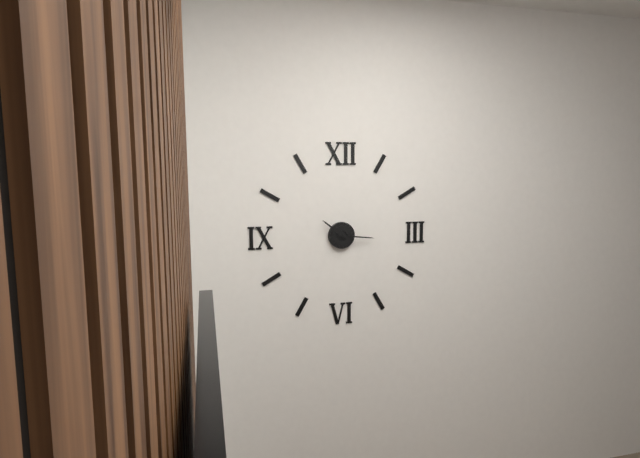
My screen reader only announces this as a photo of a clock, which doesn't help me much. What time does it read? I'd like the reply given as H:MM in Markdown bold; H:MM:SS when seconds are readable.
**10:16**
